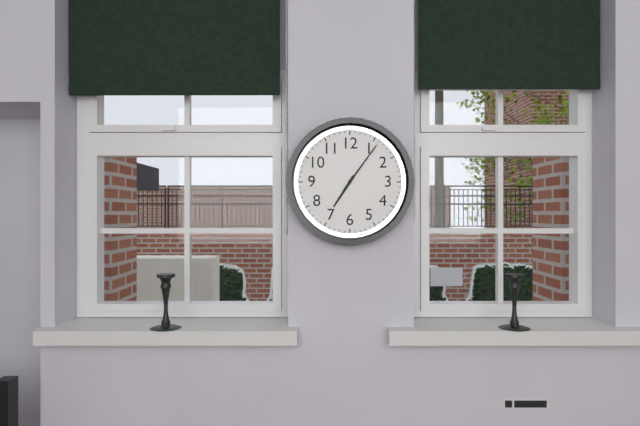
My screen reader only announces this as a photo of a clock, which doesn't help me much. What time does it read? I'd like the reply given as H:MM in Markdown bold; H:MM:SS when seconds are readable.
**7:06**
